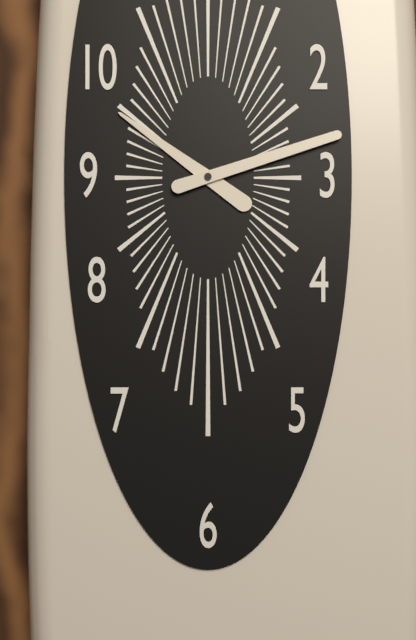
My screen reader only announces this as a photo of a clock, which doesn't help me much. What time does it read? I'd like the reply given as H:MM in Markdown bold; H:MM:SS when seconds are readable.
**10:12**
